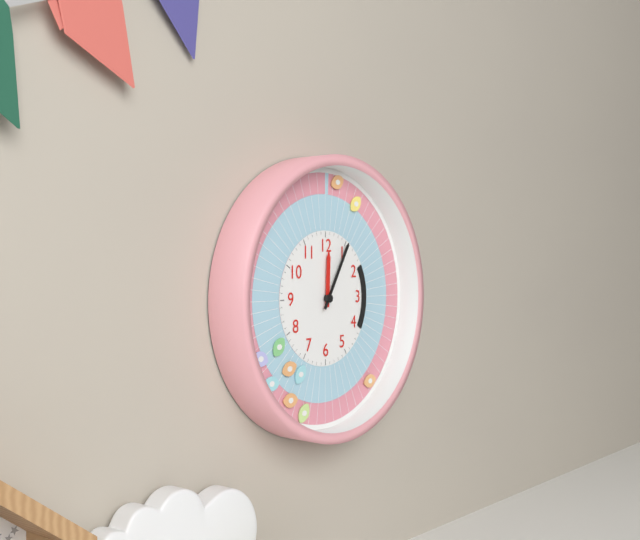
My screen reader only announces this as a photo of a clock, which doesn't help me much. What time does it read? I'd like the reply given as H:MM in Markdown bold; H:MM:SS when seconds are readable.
**12:05**
